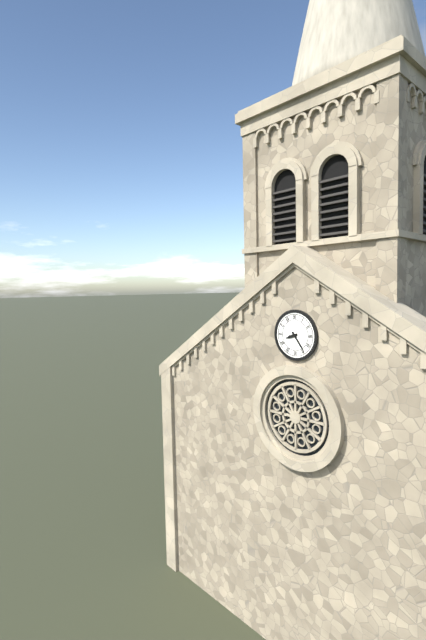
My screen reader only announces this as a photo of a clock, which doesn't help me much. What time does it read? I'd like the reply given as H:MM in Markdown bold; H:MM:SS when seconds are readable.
**8:24**
